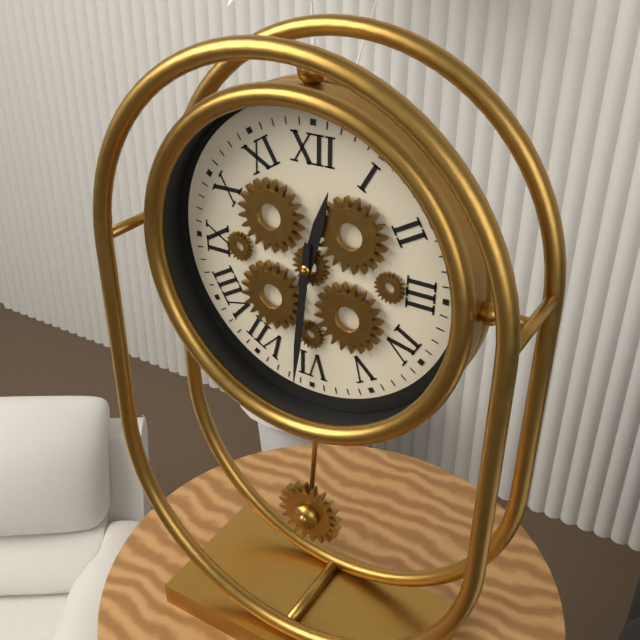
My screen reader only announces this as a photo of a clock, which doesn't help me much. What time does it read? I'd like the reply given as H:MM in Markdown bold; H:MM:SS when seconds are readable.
**12:31**
